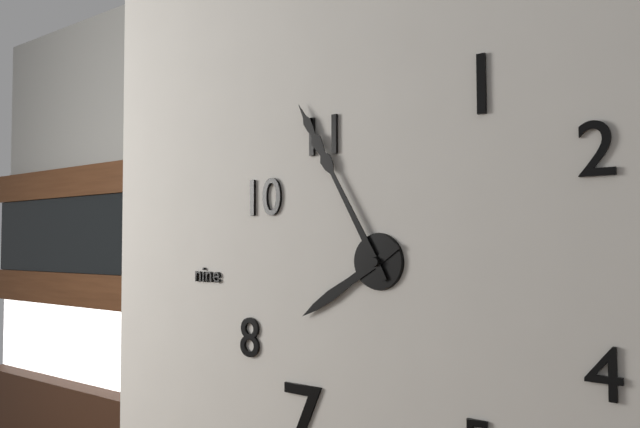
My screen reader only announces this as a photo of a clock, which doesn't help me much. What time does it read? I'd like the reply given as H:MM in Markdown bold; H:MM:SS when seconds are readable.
**7:55**
